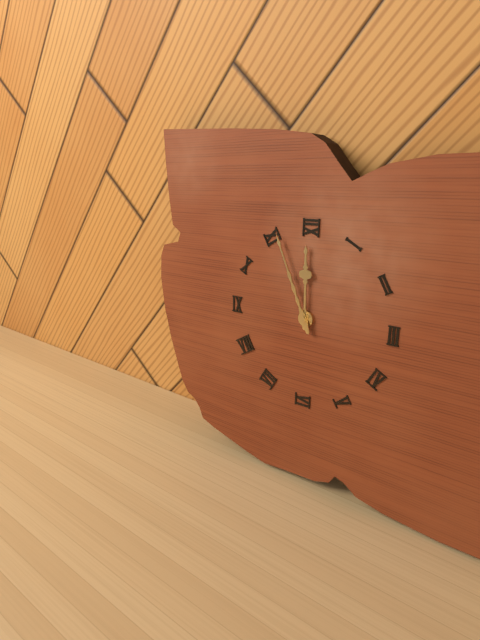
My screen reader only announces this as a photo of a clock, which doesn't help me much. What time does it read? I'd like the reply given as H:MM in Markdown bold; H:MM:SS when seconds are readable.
**11:56**
